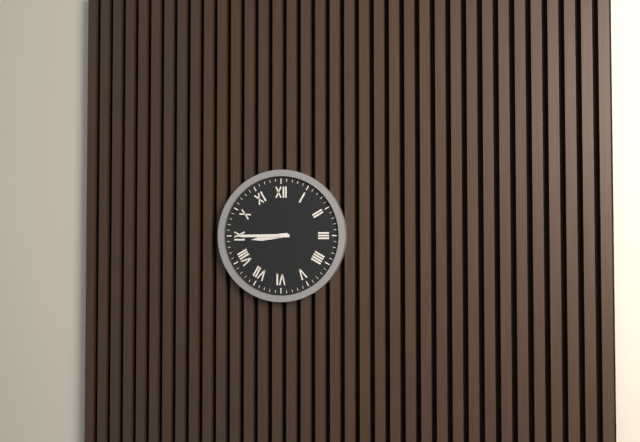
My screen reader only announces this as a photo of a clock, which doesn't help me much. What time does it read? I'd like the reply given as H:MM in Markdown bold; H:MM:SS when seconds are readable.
**8:45**
